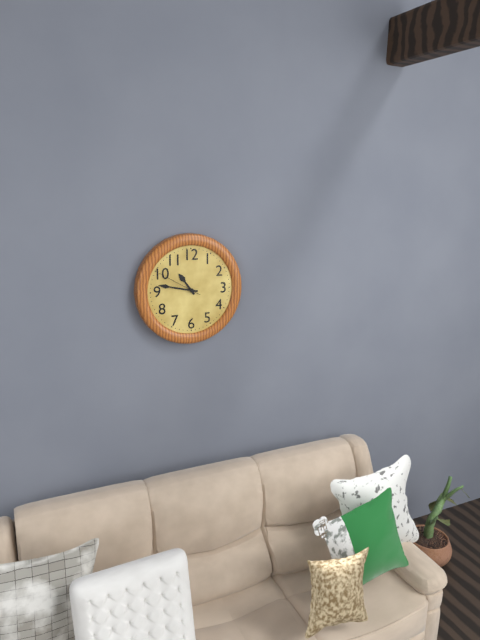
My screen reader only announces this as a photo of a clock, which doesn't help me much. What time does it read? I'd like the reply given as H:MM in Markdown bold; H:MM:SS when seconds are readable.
**10:47**
